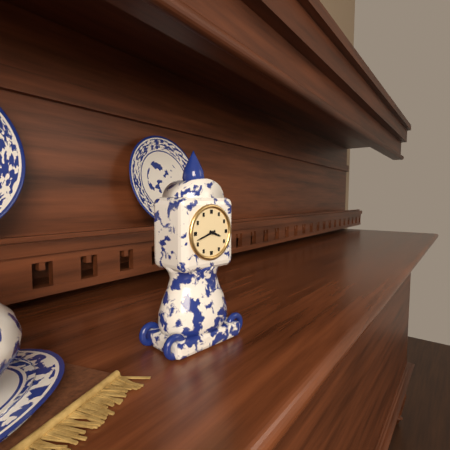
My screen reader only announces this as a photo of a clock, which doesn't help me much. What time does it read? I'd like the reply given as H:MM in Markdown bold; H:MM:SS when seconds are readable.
**3:42**
